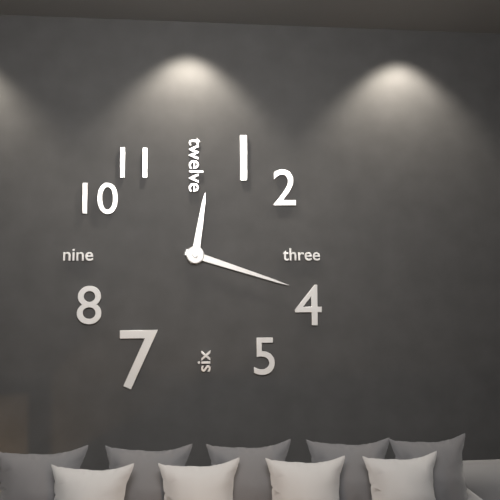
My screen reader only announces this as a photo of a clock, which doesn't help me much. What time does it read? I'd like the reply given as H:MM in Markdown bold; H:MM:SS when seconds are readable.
**12:18**
